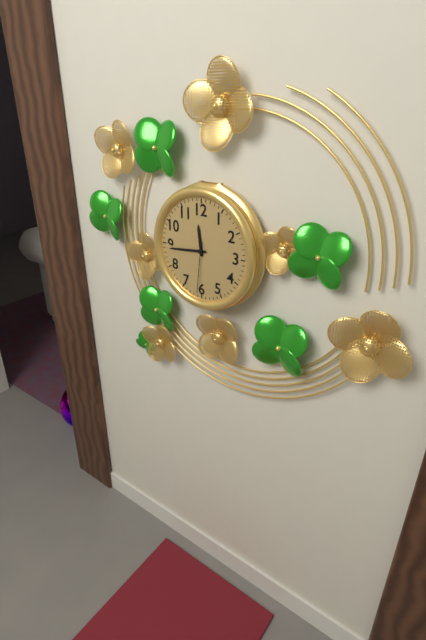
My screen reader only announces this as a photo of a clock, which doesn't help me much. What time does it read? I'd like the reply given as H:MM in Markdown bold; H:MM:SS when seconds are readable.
**11:44:31**
